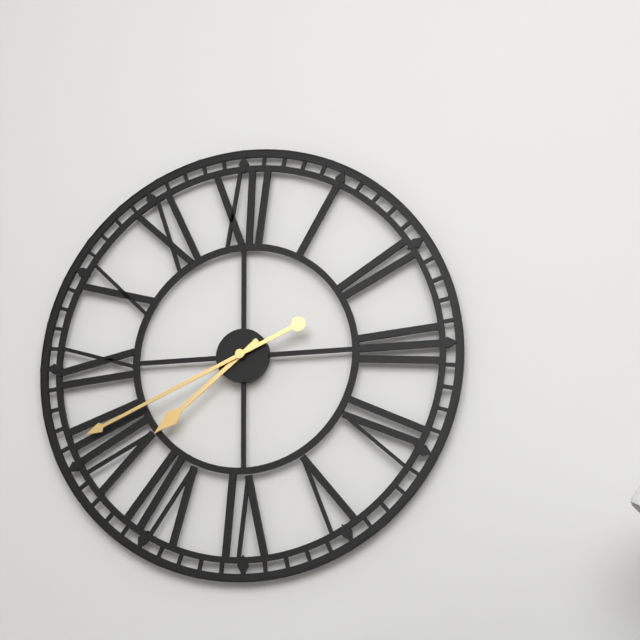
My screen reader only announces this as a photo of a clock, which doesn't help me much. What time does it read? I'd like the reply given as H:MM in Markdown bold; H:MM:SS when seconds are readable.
**7:41**
